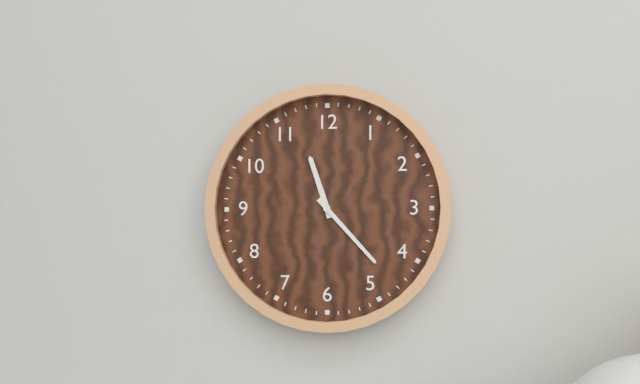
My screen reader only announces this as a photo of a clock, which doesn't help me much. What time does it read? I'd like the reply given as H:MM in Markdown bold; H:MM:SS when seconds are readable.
**11:23**
